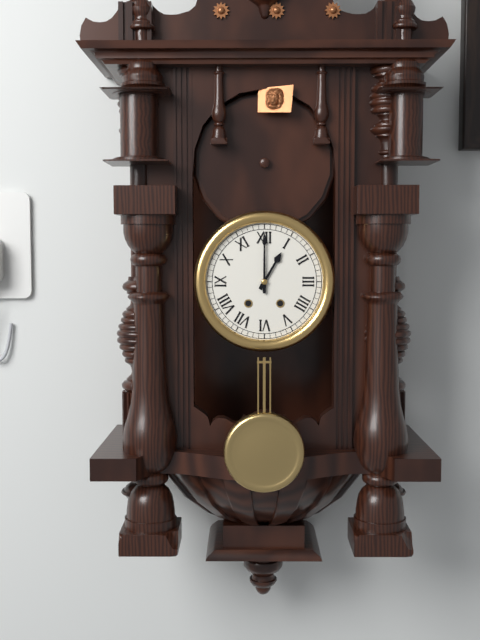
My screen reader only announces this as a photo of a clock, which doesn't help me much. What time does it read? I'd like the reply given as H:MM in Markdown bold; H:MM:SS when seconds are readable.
**1:00**
